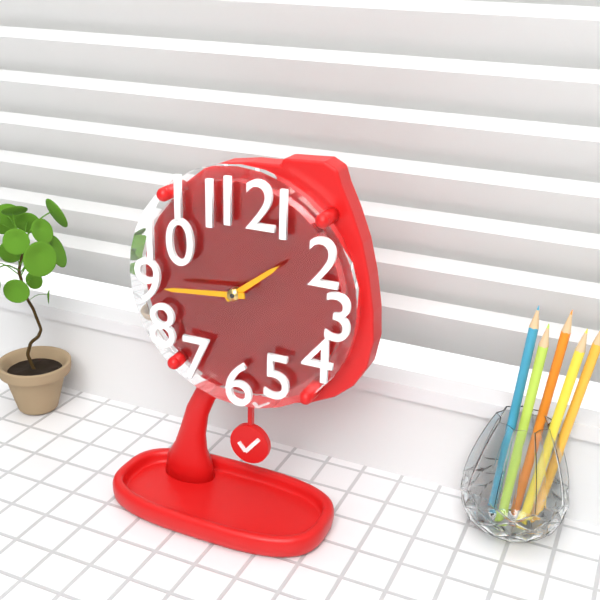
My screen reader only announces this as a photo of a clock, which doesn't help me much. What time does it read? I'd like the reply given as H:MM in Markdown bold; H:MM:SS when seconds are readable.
**1:44**
